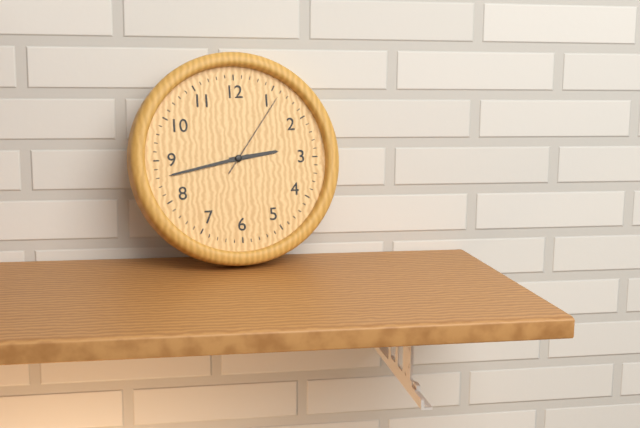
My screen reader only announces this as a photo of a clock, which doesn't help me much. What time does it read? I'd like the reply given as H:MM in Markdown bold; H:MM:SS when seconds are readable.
**2:43:06**
